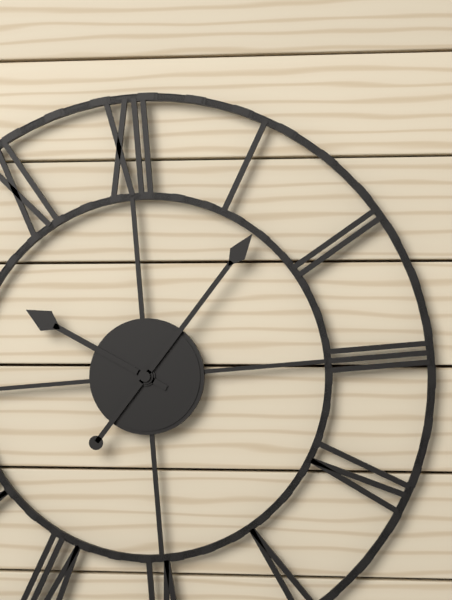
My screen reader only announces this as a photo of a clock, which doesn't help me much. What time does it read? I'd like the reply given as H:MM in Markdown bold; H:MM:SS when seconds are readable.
**10:07**
